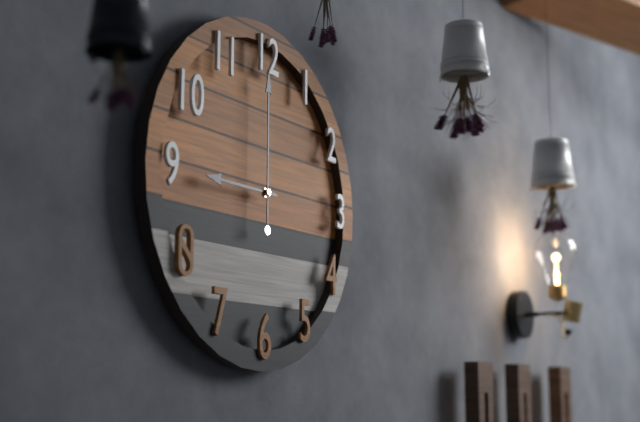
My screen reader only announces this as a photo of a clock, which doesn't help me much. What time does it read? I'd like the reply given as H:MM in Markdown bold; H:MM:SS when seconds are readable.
**9:00**
